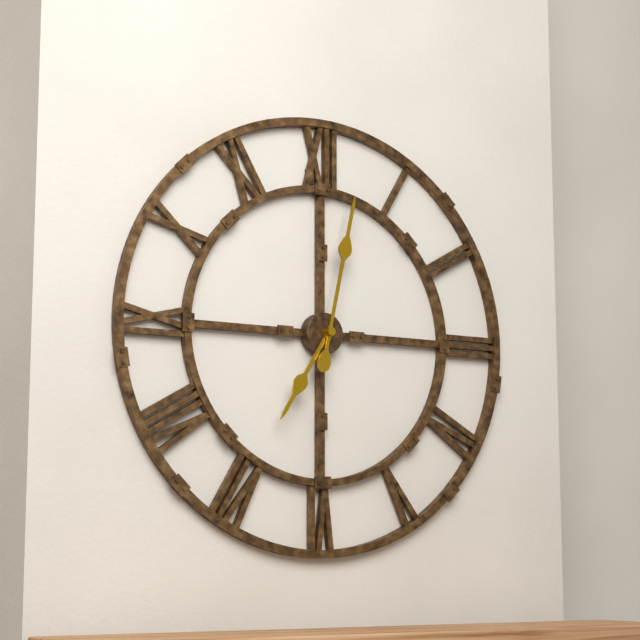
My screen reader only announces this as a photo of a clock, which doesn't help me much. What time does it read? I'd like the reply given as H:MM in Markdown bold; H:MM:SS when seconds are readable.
**7:02**
